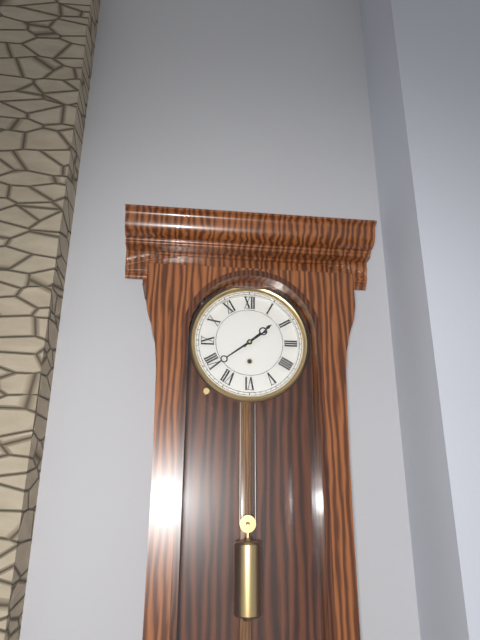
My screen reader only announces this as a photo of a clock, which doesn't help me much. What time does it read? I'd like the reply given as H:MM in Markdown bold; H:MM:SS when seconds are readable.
**1:39**
